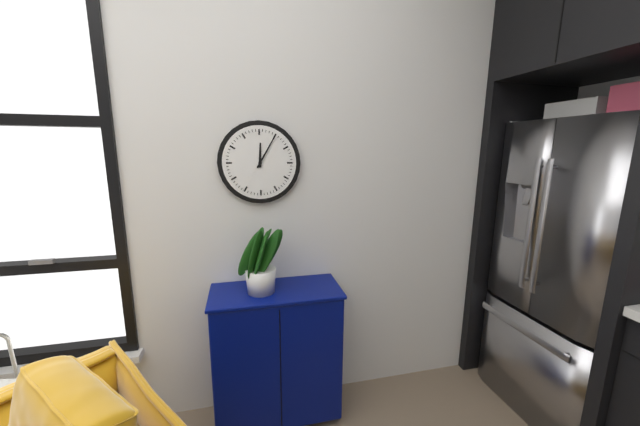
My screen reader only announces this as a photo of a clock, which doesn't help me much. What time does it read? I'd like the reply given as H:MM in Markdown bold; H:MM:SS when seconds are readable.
**12:05**
